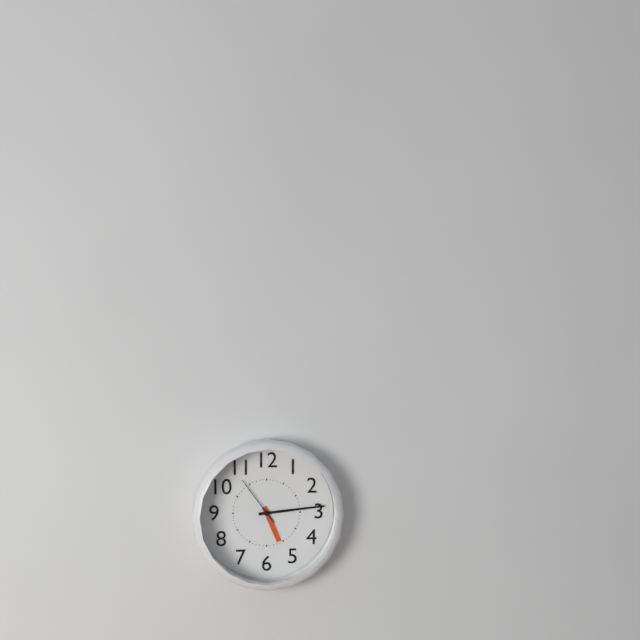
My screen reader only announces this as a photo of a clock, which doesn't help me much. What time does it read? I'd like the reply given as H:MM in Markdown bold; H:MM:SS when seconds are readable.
**5:14:54**
